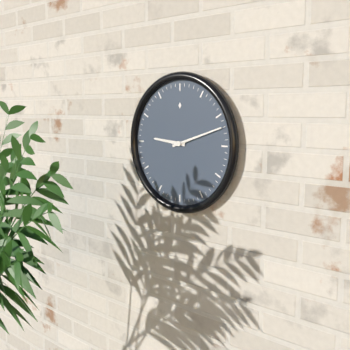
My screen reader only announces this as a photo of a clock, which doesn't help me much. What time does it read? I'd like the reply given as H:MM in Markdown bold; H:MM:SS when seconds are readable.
**9:12**
